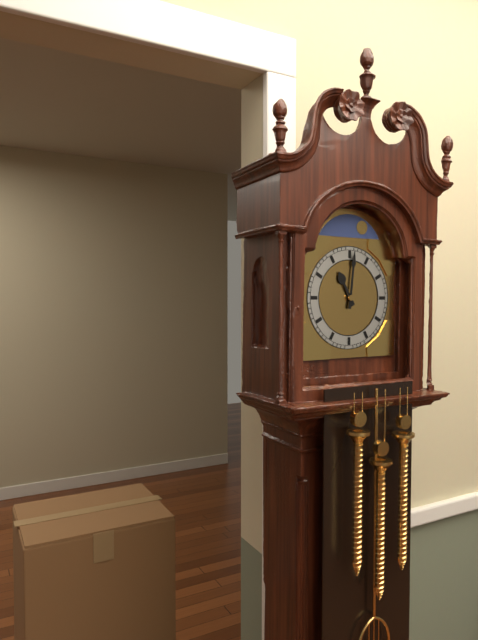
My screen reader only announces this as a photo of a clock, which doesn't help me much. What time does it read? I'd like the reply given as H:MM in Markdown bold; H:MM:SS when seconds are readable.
**11:01**
